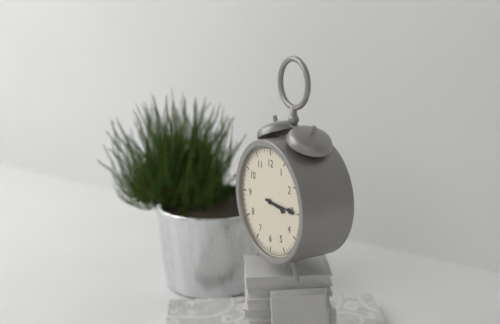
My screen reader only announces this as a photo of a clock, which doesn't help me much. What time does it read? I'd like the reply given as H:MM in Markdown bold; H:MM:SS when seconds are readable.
**3:15**
